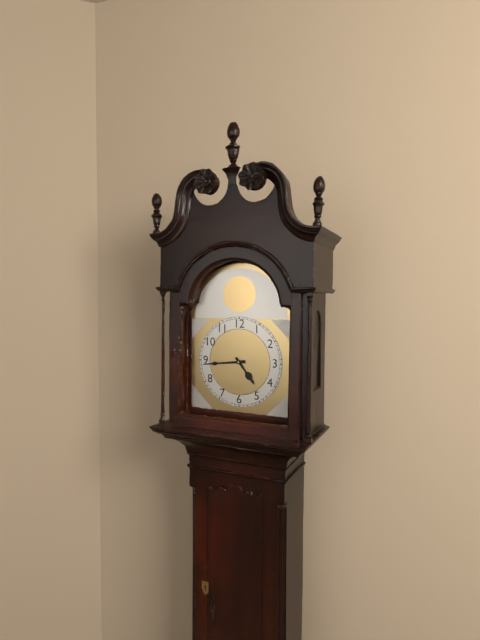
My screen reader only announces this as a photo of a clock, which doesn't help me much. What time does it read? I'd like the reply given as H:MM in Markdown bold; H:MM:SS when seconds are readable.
**4:44**
